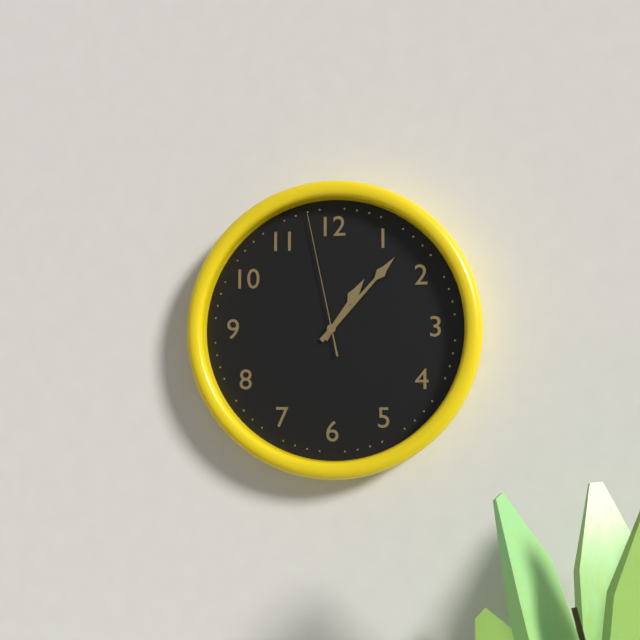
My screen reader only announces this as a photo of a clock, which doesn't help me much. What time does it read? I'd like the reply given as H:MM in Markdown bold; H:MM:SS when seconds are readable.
**1:07:58**
